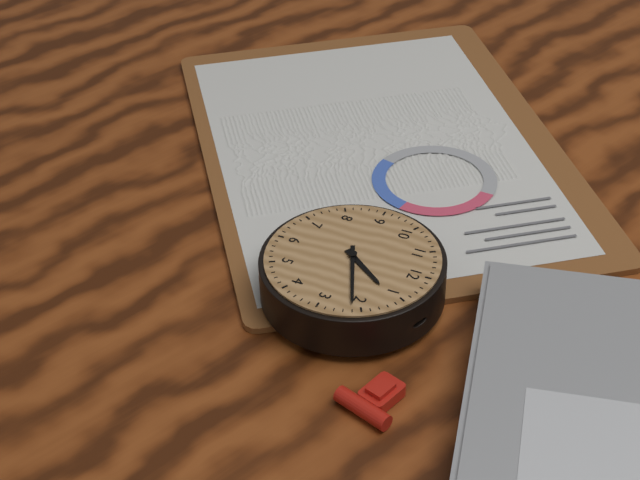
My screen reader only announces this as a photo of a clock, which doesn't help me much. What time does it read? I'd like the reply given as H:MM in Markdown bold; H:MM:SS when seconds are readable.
**1:11**
